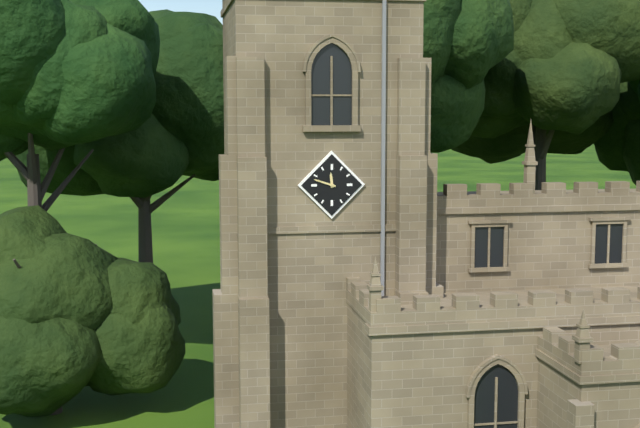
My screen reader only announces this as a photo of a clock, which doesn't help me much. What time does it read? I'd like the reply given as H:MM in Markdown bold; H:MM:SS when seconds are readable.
**11:48**
